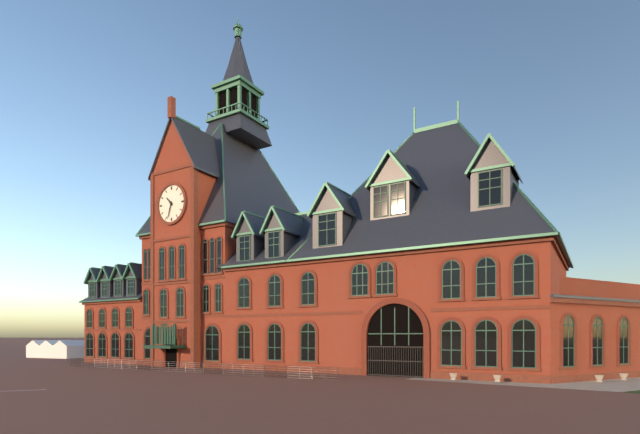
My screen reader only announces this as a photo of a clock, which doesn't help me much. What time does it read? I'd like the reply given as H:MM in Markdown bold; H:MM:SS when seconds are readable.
**10:33**
